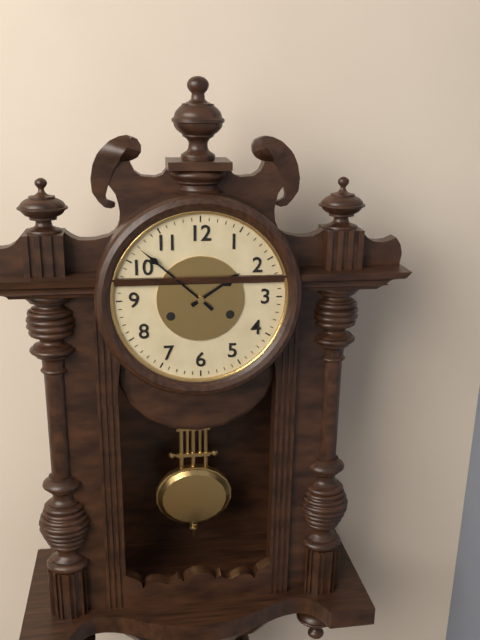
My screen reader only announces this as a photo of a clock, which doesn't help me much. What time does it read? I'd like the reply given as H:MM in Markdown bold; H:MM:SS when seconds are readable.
**1:52**
